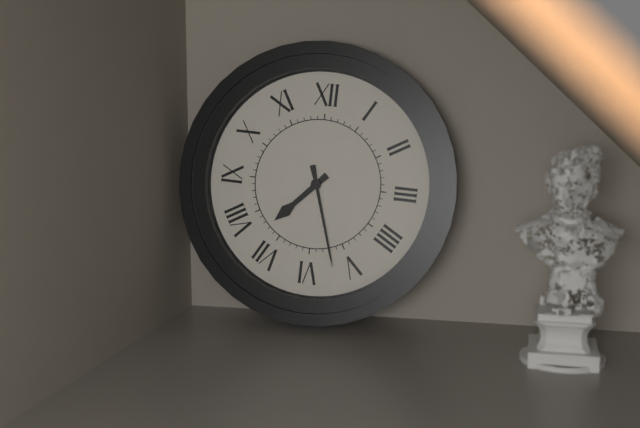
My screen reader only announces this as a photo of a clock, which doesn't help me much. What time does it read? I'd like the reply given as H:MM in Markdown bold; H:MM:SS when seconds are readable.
**7:27**
